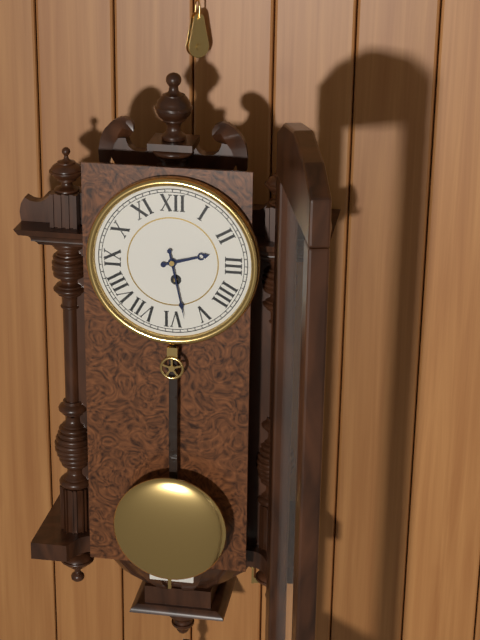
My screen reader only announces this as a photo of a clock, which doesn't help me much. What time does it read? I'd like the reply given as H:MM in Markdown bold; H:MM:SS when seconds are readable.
**2:28**
